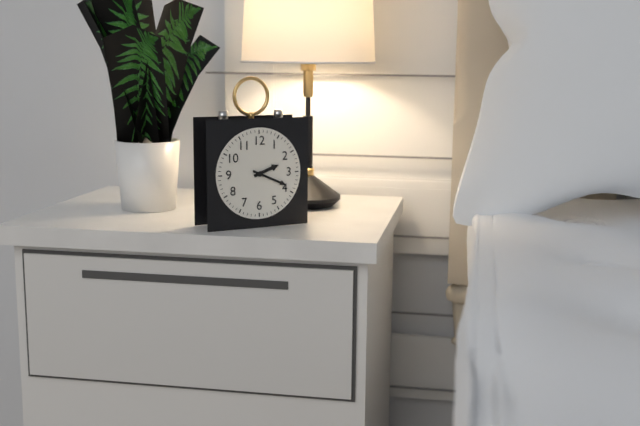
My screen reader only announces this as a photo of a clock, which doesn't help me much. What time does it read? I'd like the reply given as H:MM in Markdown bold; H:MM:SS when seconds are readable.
**2:19**
